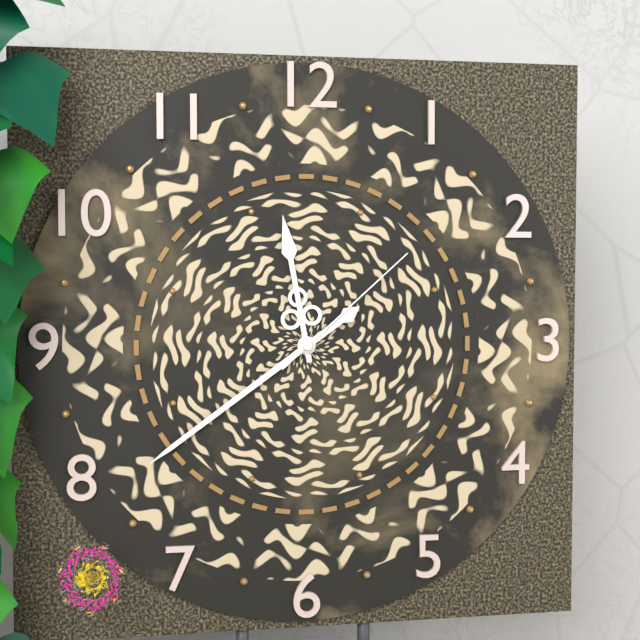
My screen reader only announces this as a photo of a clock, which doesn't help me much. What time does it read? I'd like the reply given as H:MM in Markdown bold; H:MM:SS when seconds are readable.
**11:39:08**
